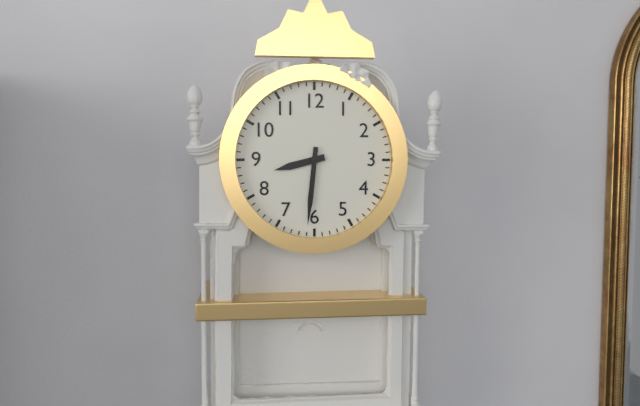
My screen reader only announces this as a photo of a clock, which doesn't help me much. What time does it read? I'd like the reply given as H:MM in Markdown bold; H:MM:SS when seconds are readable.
**8:31**
